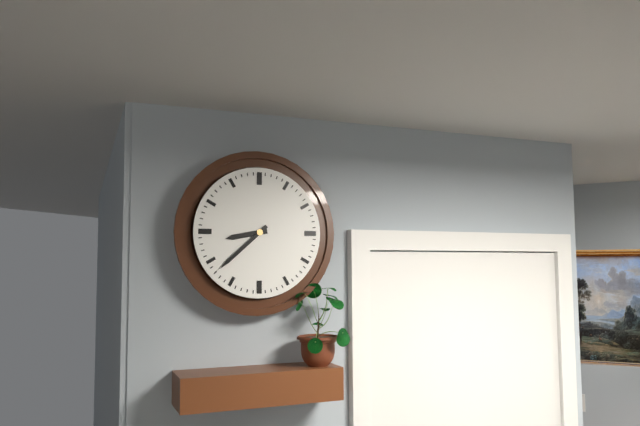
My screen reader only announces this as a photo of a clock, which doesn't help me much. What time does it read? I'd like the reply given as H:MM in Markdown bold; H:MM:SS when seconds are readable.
**8:38**
